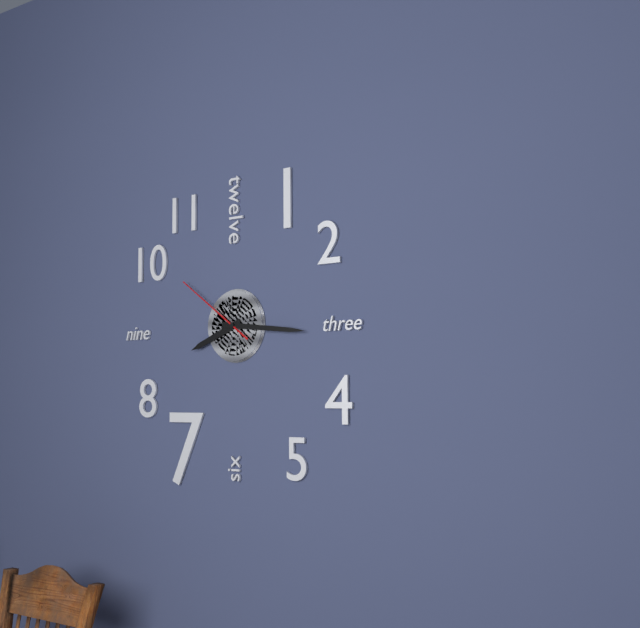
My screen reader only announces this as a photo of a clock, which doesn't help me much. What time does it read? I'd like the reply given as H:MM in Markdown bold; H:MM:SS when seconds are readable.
**8:16:51**
